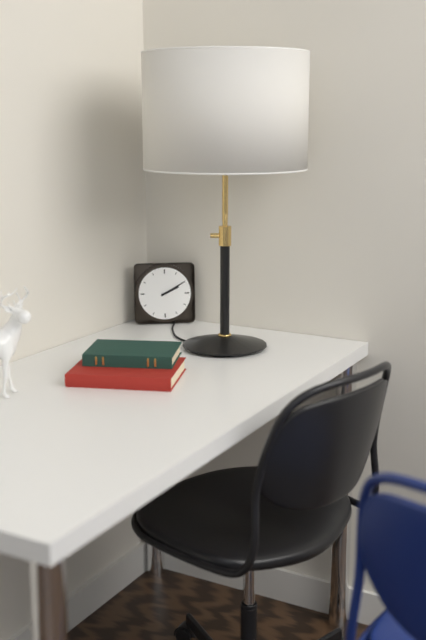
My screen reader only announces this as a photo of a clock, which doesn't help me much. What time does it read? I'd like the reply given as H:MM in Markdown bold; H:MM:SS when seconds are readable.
**2:10**
